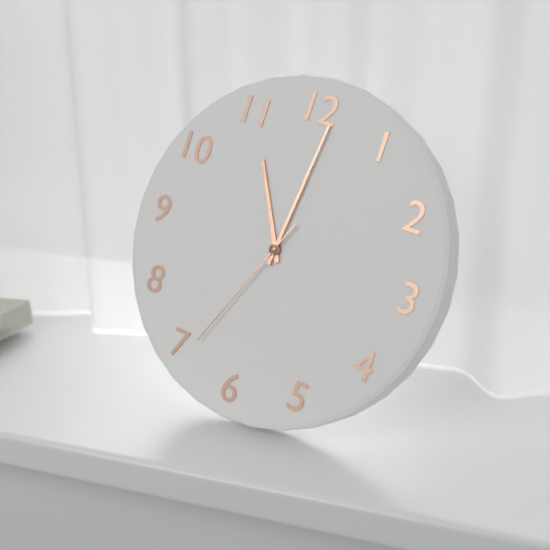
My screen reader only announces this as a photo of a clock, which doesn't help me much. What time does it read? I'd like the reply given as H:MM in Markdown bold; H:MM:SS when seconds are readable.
**11:01:34**
